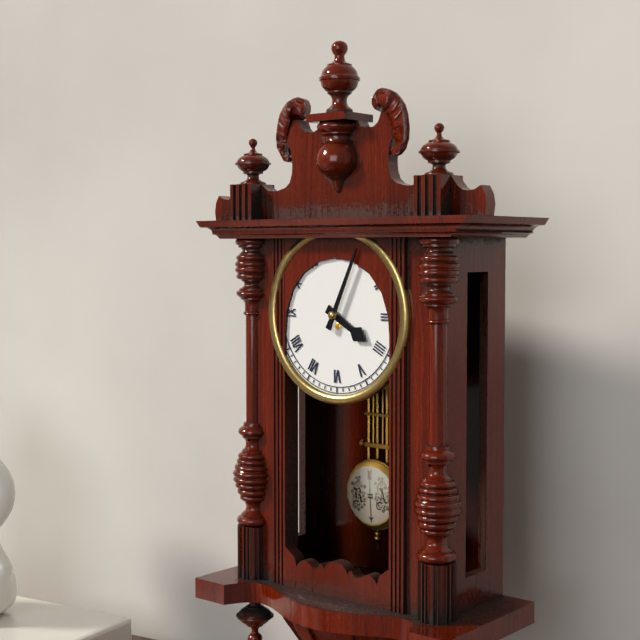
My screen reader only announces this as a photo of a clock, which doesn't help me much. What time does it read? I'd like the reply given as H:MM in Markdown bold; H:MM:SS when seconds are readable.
**4:04**
